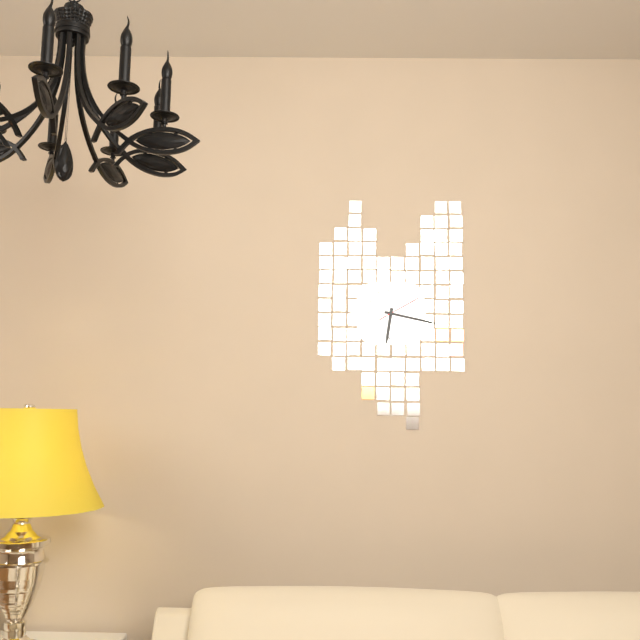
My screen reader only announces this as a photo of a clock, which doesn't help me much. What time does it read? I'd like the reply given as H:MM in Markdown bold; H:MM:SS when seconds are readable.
**6:17:10**
